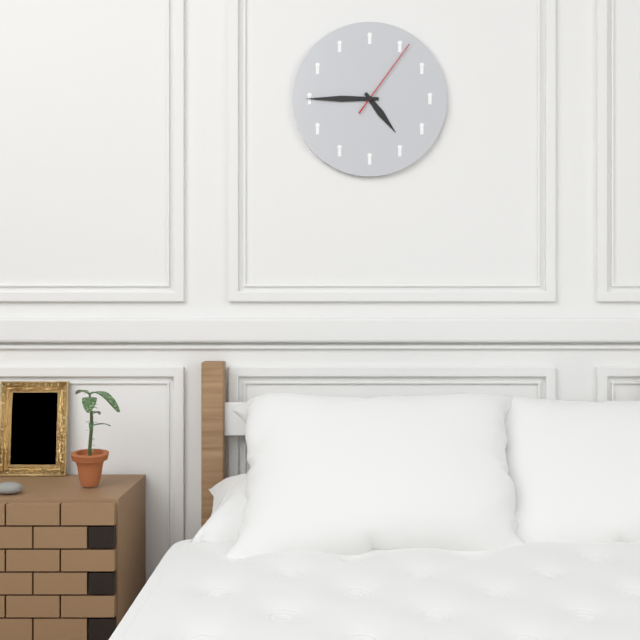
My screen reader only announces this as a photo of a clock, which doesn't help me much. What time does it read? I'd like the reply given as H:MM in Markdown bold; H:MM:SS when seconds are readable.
**4:45:06**
